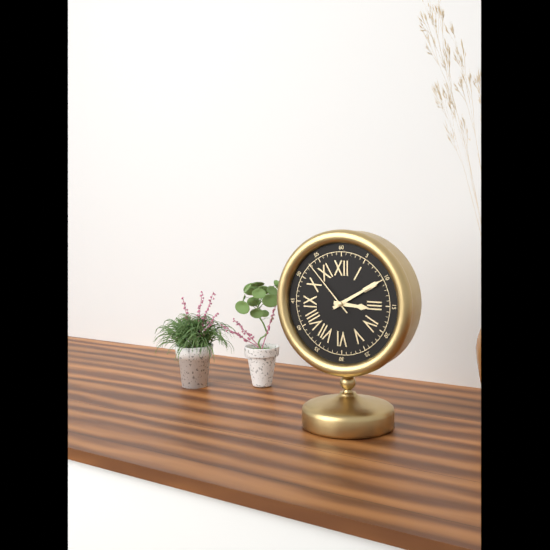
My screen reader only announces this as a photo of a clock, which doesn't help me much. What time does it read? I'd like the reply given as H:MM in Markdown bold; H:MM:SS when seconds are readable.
**3:10:53**
